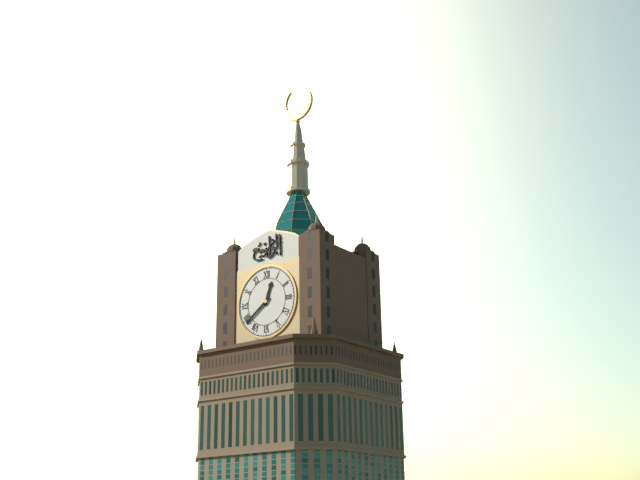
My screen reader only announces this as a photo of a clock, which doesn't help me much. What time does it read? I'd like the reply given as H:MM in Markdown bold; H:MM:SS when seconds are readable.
**12:39**
